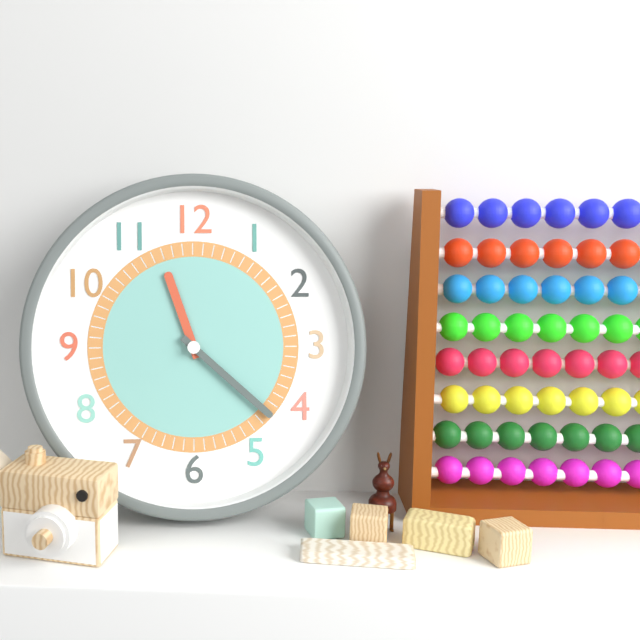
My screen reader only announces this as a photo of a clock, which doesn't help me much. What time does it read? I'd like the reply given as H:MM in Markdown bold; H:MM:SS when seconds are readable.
**11:22**
